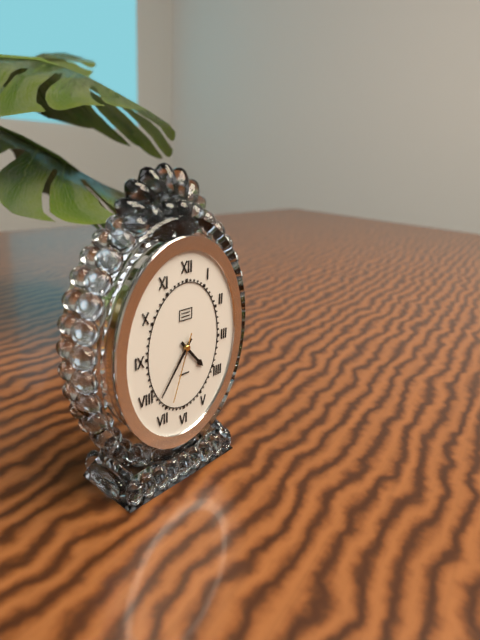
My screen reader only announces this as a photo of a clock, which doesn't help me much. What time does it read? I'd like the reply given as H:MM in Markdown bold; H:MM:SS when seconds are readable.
**4:36:33**
